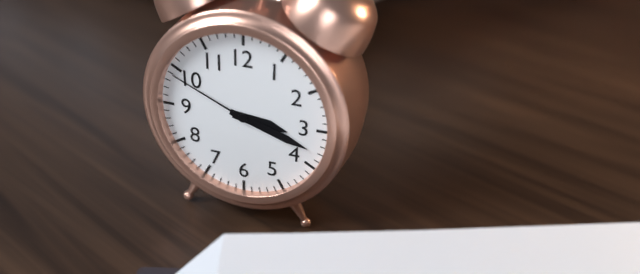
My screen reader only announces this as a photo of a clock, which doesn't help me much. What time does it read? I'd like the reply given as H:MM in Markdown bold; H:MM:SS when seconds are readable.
**3:18:49**
